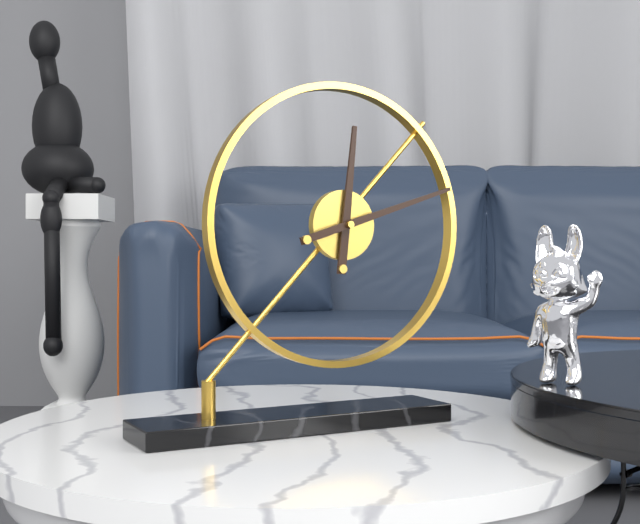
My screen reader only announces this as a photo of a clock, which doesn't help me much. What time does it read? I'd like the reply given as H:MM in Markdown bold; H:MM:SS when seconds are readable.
**12:12**
